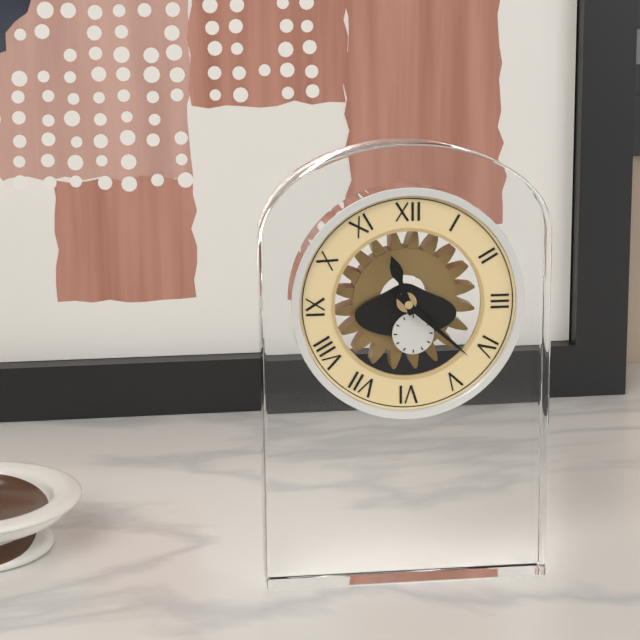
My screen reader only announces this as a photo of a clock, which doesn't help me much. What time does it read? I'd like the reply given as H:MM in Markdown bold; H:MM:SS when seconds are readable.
**11:22**
